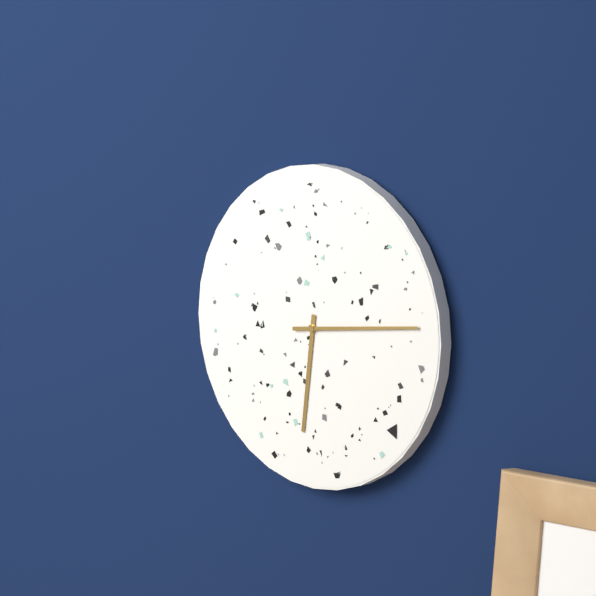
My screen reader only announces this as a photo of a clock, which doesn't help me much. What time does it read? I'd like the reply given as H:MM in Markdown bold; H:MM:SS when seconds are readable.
**6:14**
